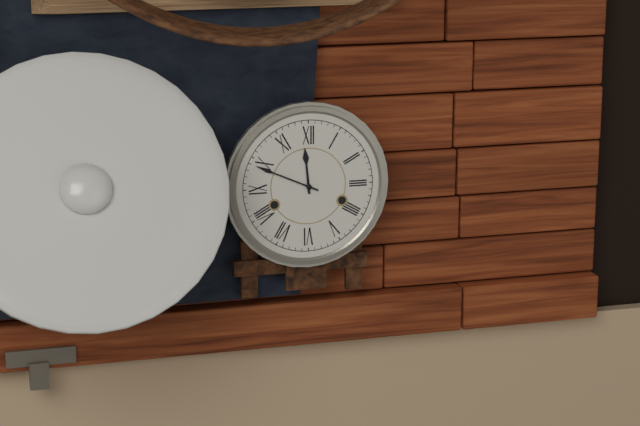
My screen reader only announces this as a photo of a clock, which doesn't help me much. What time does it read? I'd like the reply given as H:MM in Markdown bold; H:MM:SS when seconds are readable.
**11:49**
